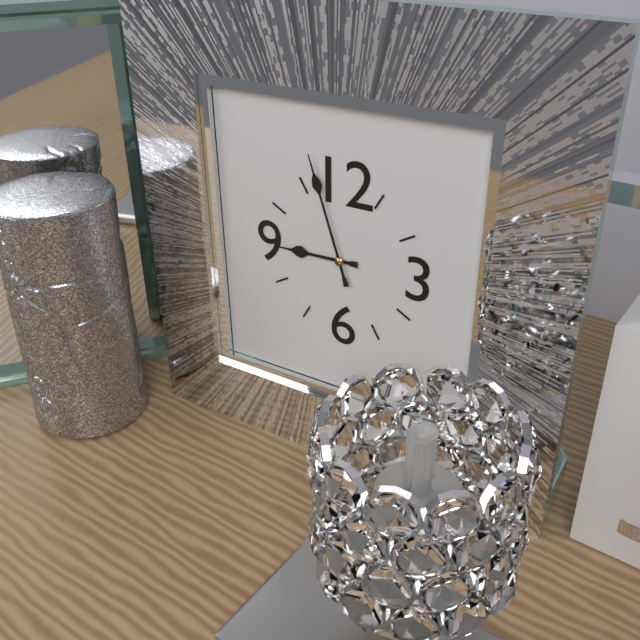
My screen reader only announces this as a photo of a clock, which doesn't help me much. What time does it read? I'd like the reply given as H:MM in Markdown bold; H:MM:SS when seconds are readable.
**8:57**
